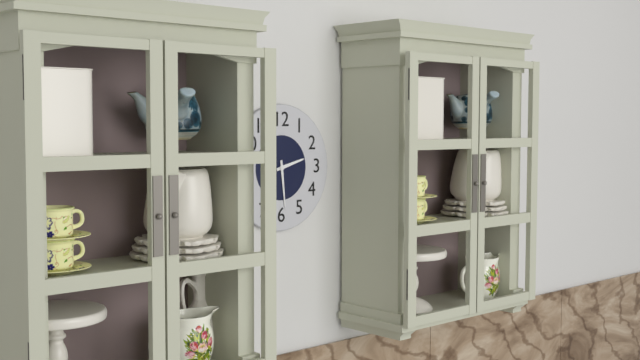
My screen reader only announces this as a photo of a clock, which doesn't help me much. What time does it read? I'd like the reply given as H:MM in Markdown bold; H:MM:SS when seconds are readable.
**2:29**
